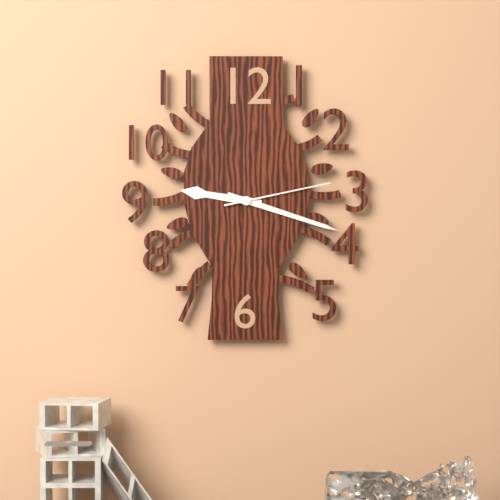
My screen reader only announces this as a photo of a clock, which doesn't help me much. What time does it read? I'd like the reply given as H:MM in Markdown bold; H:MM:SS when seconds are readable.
**9:18:13**
